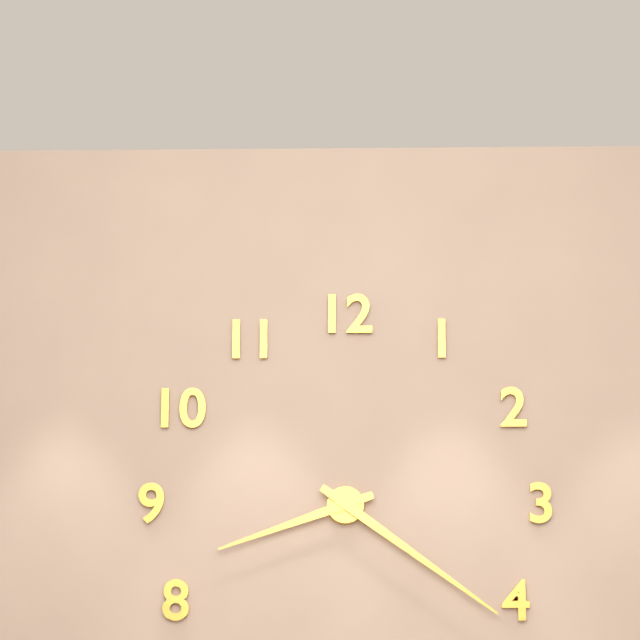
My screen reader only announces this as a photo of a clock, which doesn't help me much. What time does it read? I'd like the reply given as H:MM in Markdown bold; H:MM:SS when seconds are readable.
**8:21**
